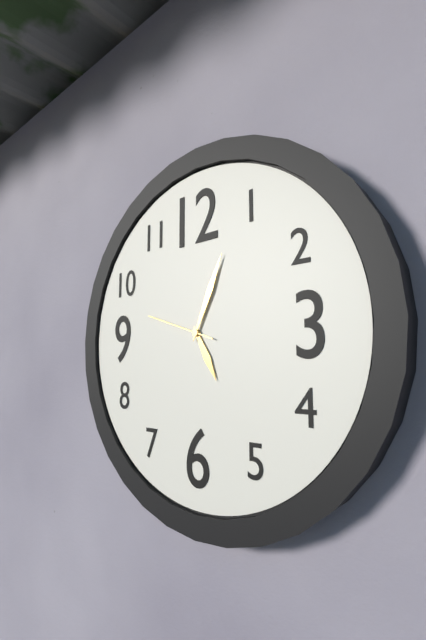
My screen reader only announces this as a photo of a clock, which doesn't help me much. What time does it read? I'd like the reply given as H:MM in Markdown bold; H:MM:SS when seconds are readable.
**5:04:48**
